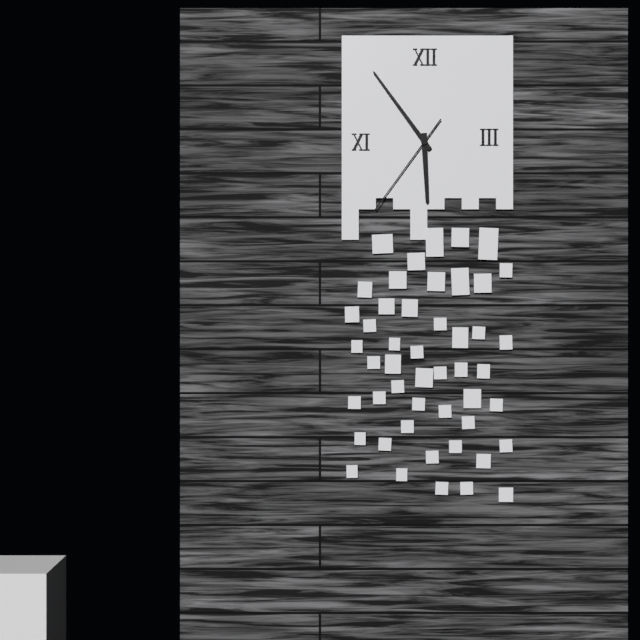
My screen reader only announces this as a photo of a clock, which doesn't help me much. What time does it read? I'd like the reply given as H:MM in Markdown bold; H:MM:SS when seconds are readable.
**5:54:36**
